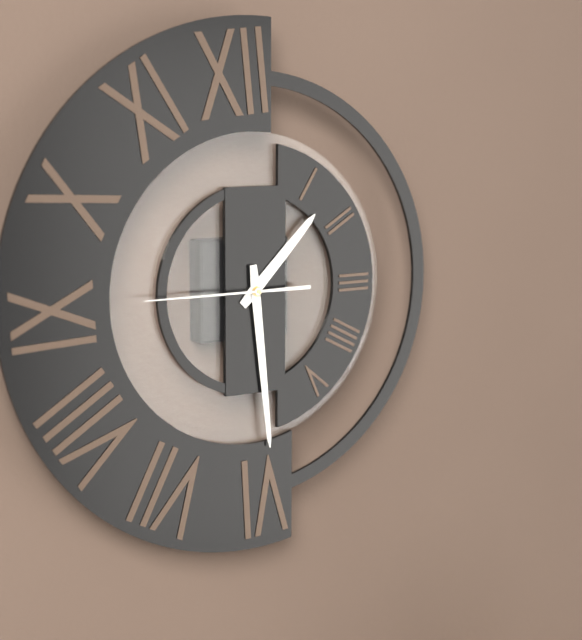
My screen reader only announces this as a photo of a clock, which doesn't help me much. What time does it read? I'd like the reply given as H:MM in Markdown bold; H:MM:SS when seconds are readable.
**1:29:45**
